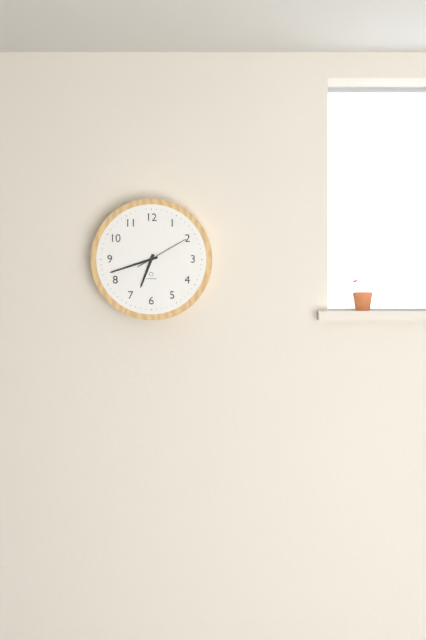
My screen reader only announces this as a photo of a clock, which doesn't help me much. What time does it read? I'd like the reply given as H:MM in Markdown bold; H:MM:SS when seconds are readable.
**6:42:10**
